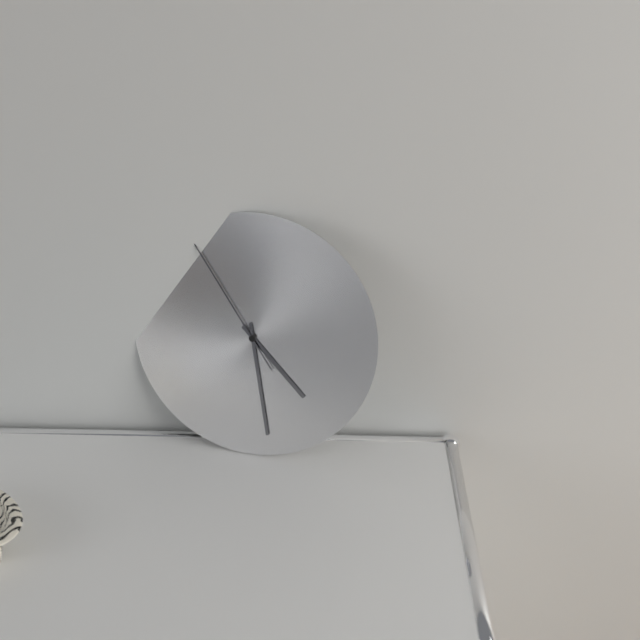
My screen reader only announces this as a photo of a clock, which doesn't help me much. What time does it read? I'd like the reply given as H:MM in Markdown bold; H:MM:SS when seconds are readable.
**4:28:54**
